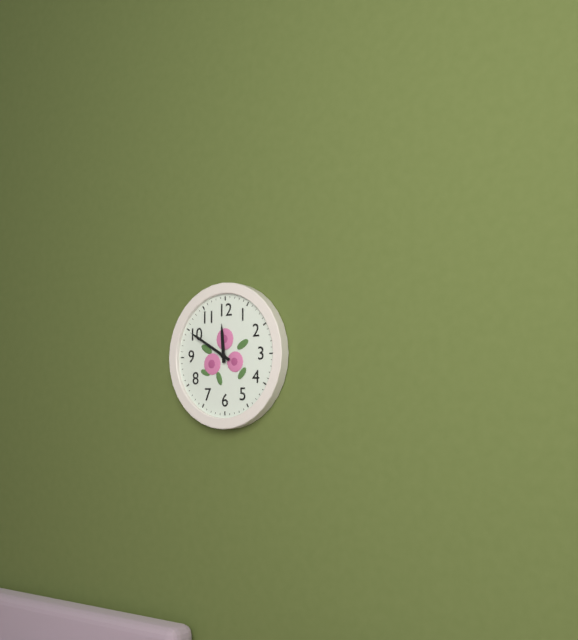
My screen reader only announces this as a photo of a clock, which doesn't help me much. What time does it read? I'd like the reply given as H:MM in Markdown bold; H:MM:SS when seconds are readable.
**11:50**
